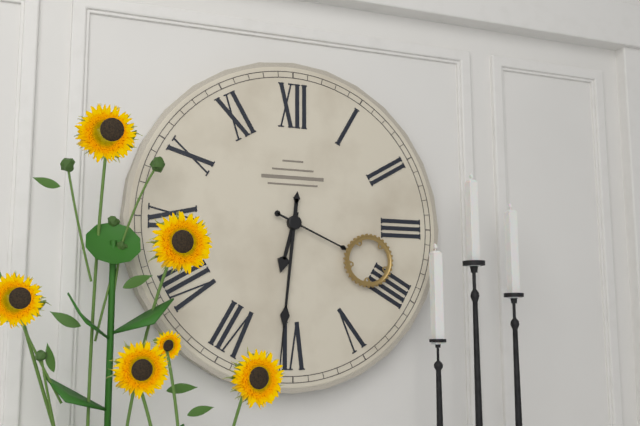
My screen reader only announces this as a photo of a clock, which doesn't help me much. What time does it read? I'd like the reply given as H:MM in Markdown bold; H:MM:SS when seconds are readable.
**6:31:19**
